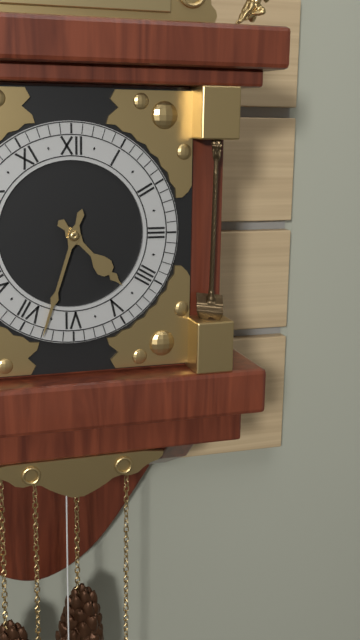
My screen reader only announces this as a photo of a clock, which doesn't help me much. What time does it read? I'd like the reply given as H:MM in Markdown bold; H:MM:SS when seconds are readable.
**4:33**
